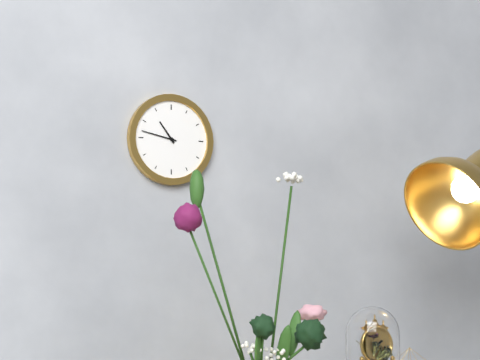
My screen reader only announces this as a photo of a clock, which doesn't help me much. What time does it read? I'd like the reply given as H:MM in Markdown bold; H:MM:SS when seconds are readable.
**10:47**
